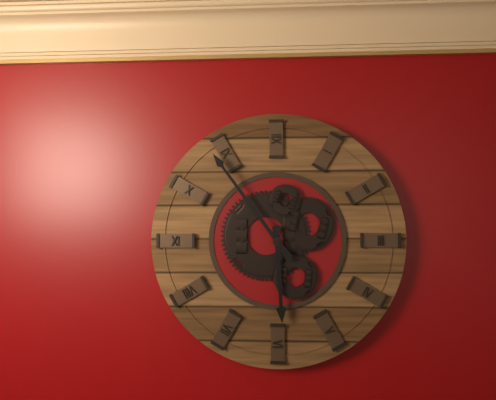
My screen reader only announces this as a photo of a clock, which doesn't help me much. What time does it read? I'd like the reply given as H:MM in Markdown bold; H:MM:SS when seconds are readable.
**5:54**
